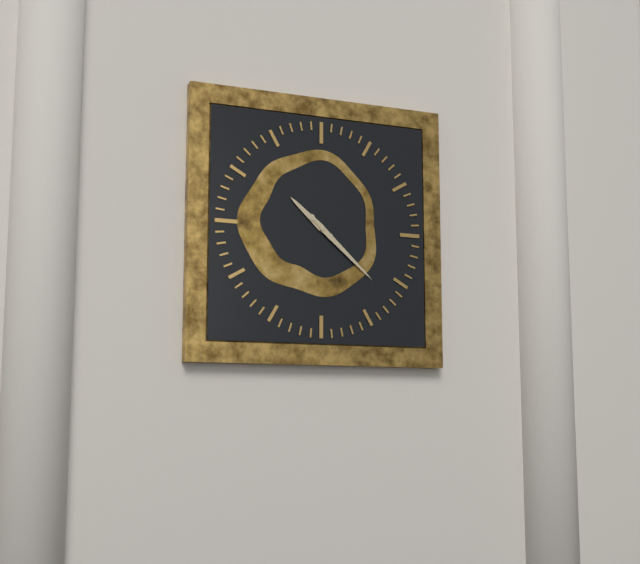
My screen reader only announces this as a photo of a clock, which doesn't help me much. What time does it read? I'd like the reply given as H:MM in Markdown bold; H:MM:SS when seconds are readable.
**10:22**
